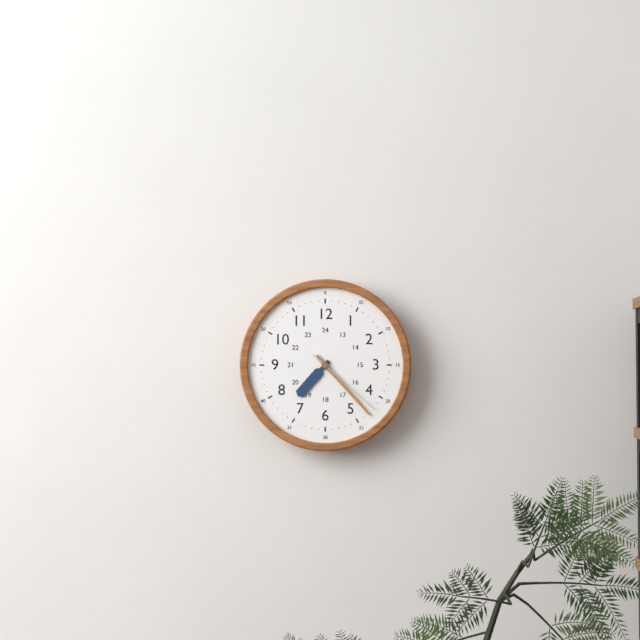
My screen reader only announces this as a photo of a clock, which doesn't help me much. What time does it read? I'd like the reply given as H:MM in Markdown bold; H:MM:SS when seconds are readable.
**7:23:22**
